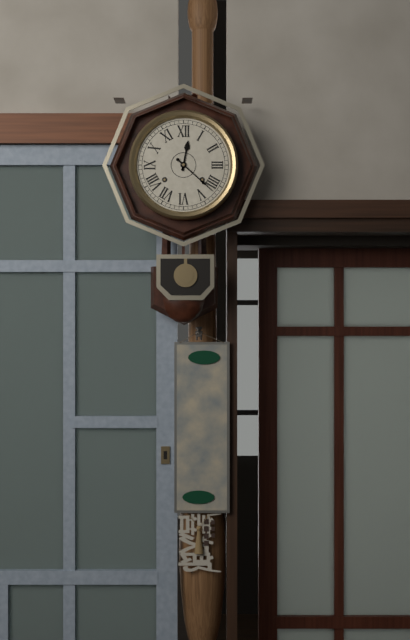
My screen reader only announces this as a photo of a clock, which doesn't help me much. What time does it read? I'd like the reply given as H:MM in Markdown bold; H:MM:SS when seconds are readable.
**12:22**
